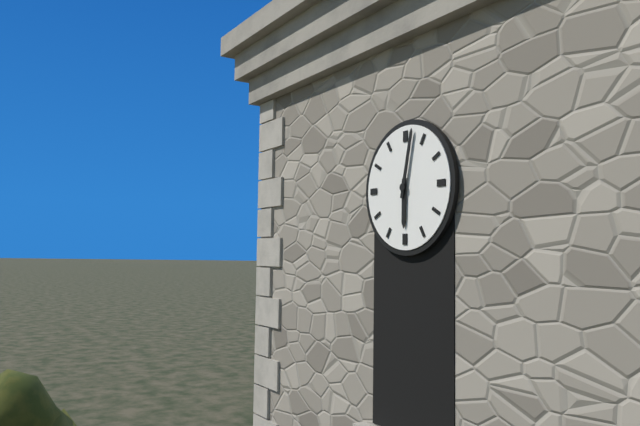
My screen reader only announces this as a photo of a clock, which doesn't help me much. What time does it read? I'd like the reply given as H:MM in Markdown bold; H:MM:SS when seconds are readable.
**6:02**
